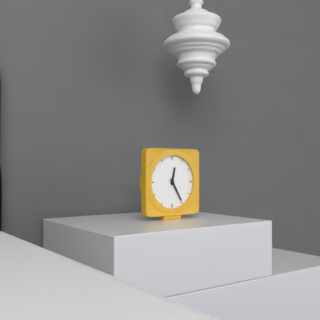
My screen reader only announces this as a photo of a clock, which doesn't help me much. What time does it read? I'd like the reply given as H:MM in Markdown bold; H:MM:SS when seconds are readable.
**12:25**
